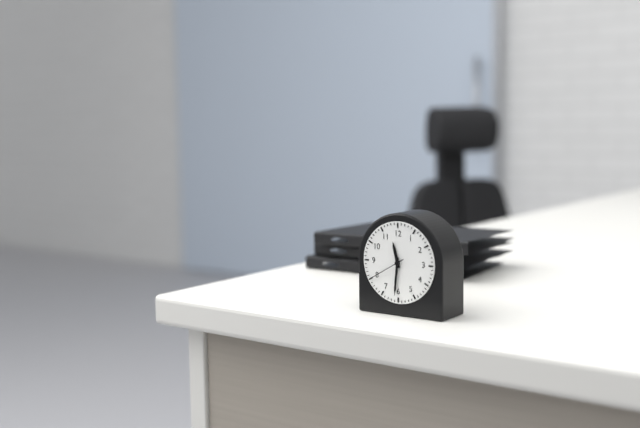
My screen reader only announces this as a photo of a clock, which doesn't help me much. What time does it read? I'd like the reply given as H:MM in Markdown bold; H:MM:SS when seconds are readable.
**11:31:40**
